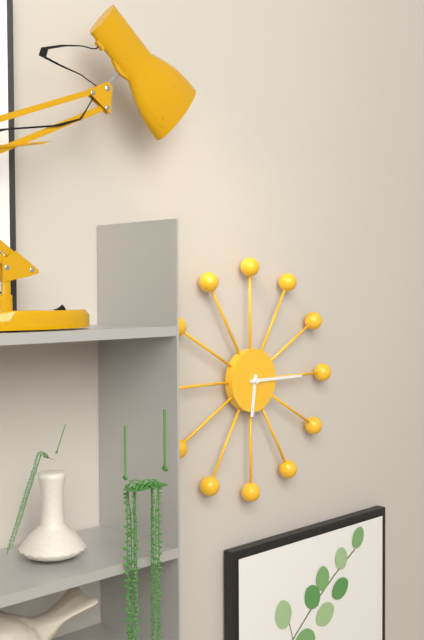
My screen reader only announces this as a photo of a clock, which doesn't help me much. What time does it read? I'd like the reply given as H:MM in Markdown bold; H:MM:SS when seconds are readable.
**6:15**
